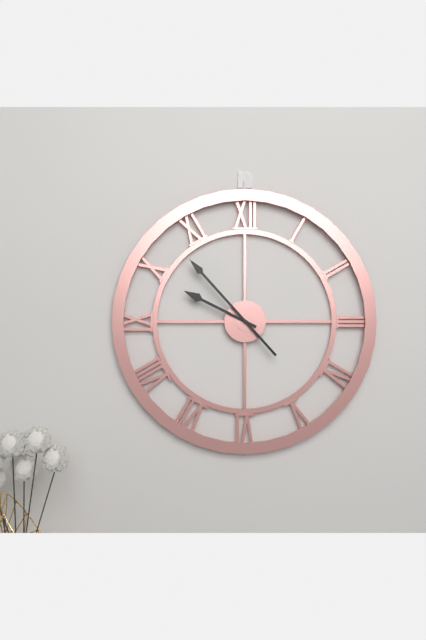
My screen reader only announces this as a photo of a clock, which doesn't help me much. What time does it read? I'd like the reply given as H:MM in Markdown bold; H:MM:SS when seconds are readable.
**9:53**
